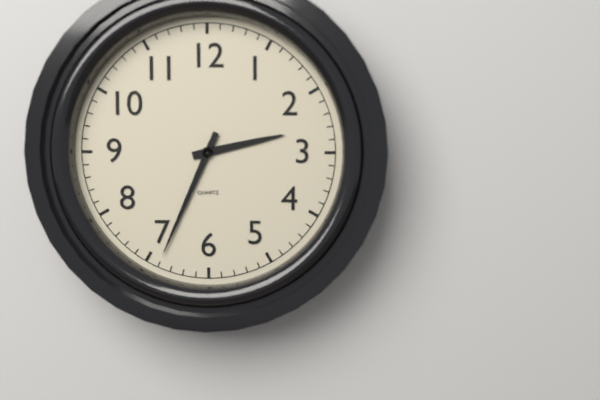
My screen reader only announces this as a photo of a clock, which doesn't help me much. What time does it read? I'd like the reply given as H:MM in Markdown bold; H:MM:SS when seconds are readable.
**2:34**
